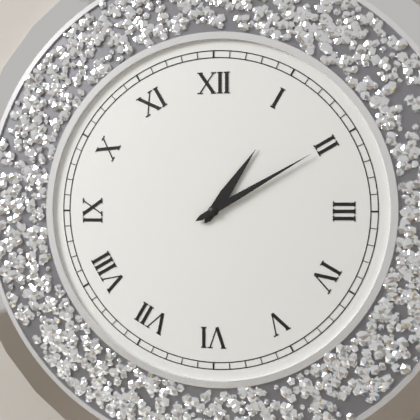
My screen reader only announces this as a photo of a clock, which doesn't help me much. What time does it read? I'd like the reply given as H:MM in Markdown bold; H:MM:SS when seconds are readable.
**1:10**
